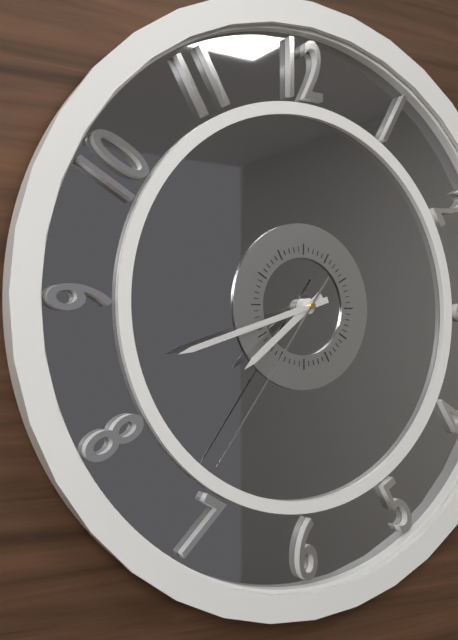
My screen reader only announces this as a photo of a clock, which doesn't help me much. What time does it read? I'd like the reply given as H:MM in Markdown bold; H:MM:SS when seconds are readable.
**7:42:36**
